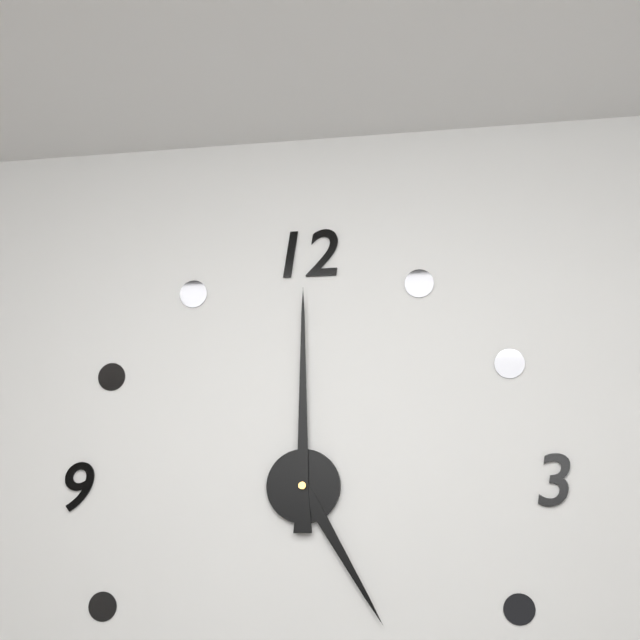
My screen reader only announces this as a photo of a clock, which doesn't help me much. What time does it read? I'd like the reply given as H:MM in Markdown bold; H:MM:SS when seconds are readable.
**5:00**
